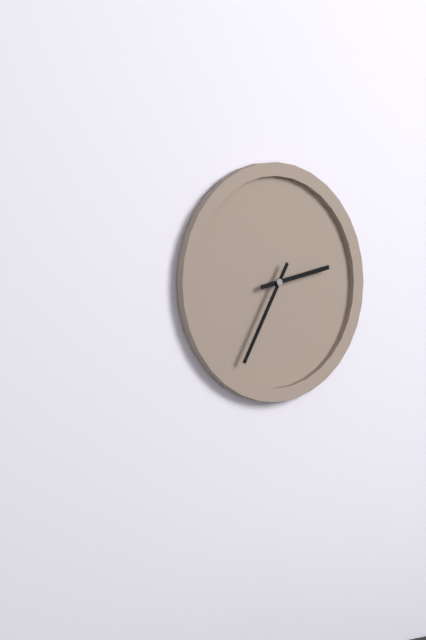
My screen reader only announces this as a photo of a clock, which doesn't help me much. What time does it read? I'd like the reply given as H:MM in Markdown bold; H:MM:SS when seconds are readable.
**2:35**
